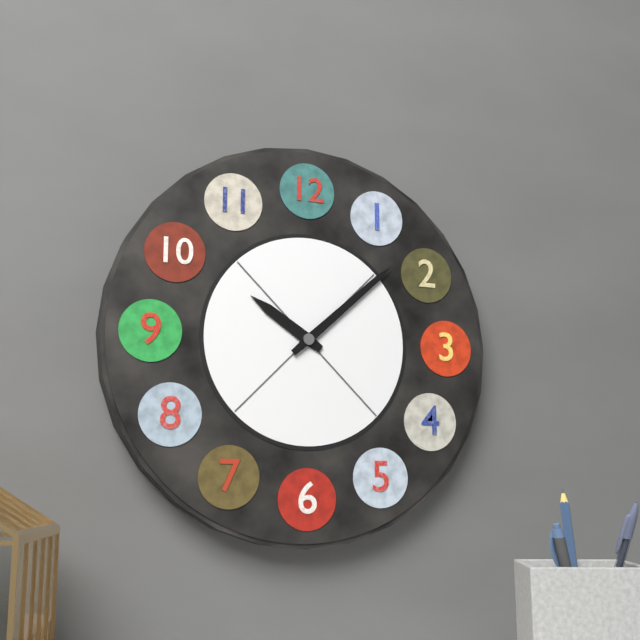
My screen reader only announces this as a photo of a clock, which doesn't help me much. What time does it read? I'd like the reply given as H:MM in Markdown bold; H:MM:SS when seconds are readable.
**10:08**
